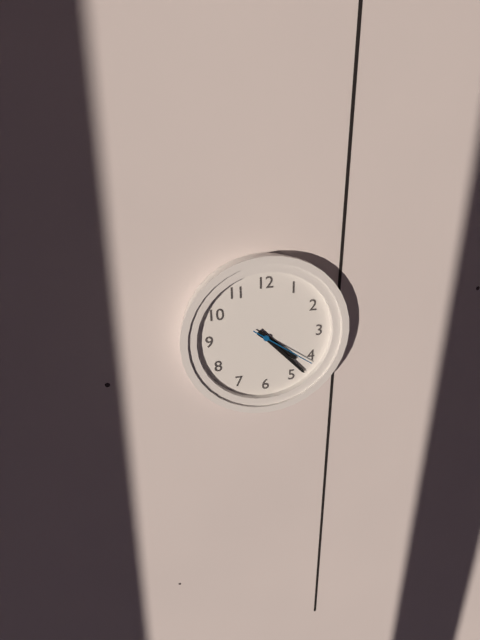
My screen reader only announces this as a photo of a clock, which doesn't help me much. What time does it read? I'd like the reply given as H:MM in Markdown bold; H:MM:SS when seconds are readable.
**4:23:21**
